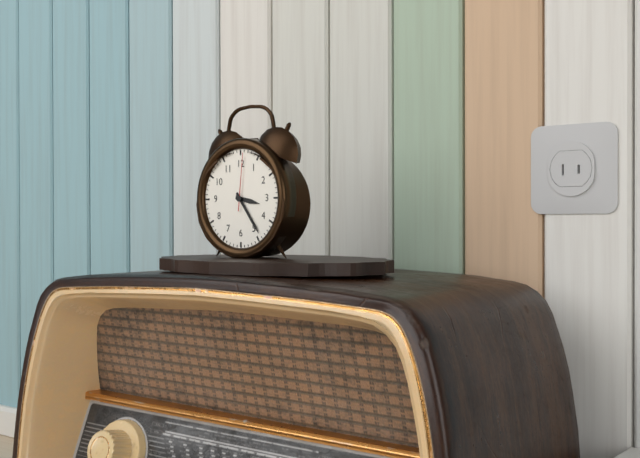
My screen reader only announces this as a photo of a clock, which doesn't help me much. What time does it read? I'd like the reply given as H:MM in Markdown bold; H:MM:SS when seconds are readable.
**3:24:01**
